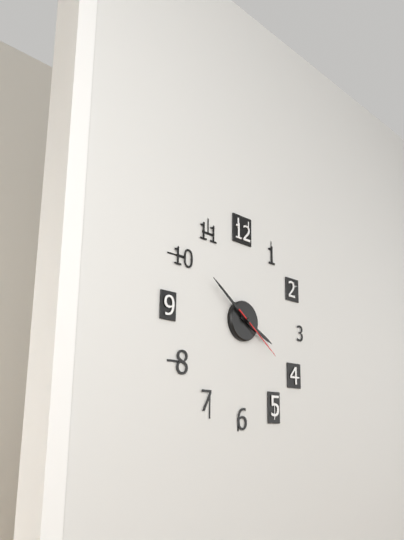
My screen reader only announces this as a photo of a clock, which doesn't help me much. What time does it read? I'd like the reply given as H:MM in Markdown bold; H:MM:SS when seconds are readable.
**3:51:21**
